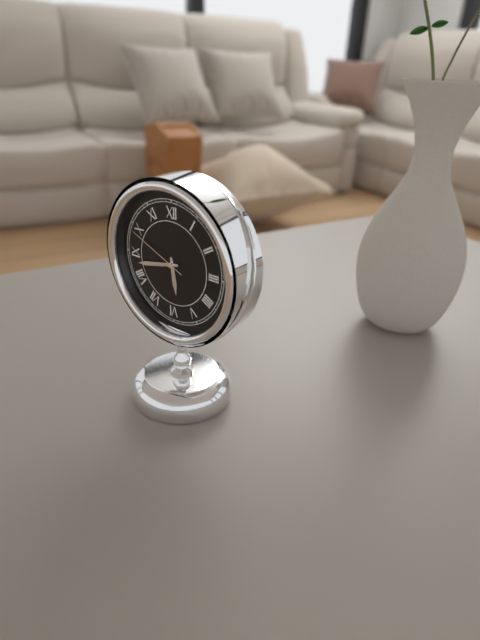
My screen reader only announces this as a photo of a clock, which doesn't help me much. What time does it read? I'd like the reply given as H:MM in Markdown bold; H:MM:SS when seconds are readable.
**5:43:49**
